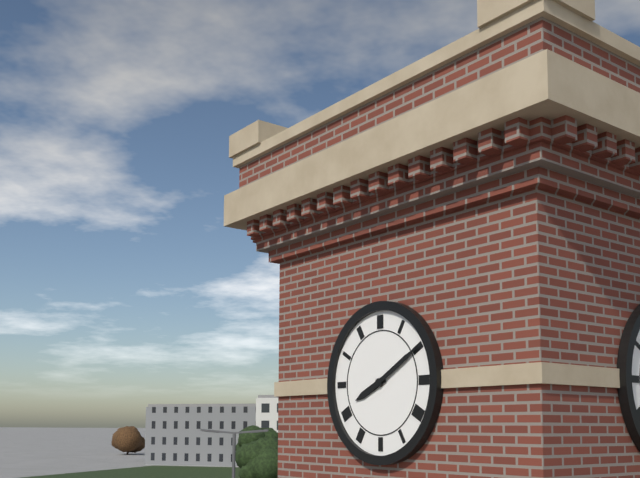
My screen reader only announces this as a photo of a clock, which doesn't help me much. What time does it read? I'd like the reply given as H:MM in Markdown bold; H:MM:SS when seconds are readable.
**8:10**
